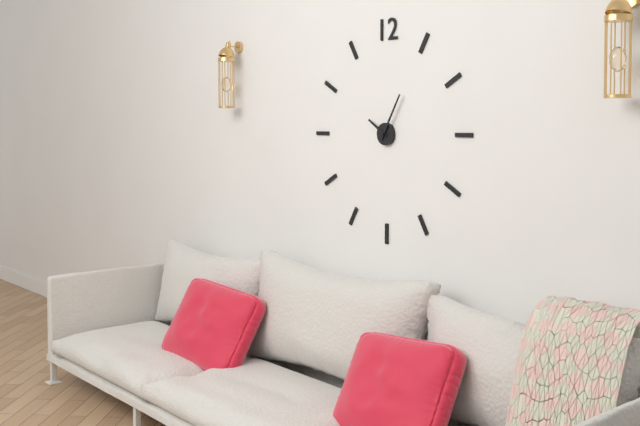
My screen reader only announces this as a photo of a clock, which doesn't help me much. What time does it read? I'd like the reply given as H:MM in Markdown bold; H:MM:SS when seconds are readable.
**10:05**
